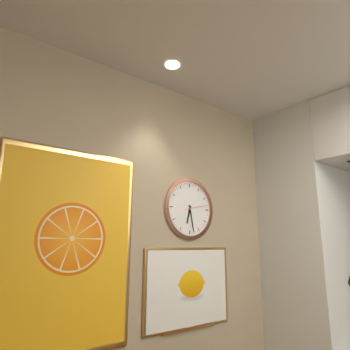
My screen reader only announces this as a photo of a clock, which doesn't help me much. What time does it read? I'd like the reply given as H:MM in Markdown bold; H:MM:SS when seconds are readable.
**6:28**
